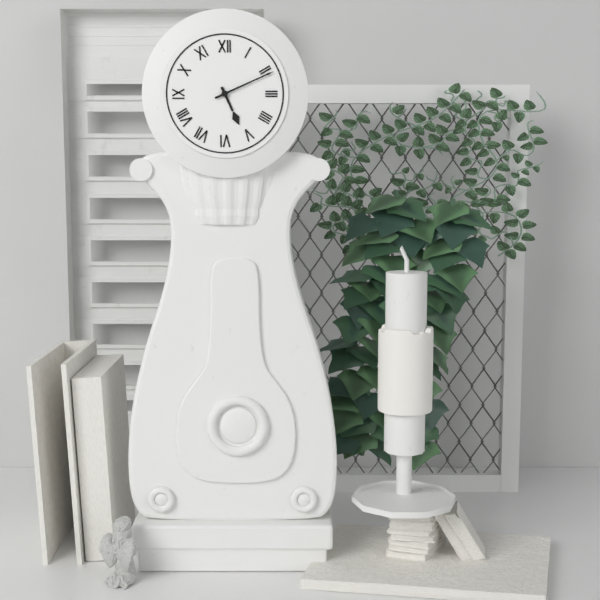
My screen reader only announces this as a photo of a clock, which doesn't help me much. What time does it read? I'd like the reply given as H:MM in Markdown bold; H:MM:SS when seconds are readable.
**5:11**
